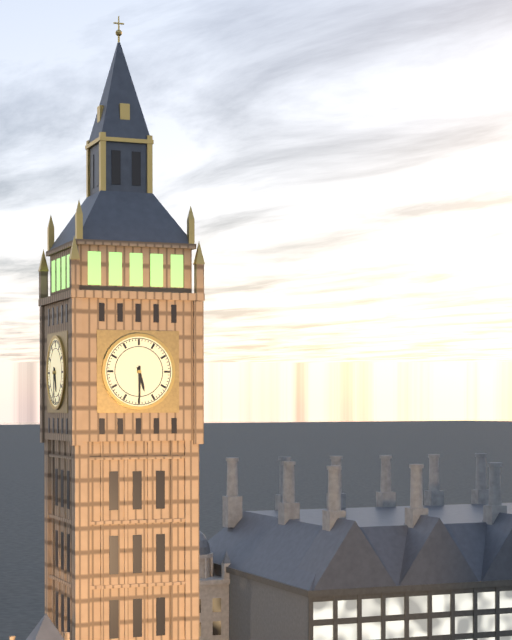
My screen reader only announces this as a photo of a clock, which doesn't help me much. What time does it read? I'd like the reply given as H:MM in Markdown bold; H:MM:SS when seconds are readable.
**5:30**
